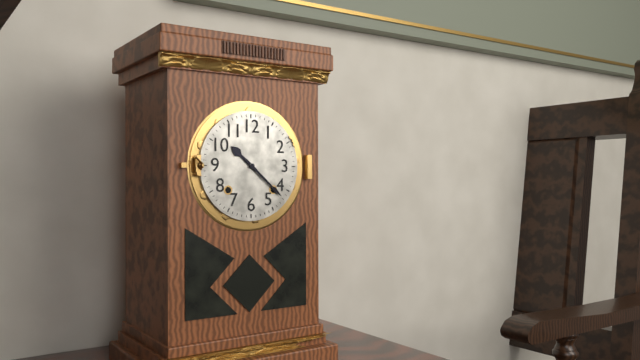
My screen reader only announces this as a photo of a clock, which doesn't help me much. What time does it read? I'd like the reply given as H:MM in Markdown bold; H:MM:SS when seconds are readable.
**10:22**
